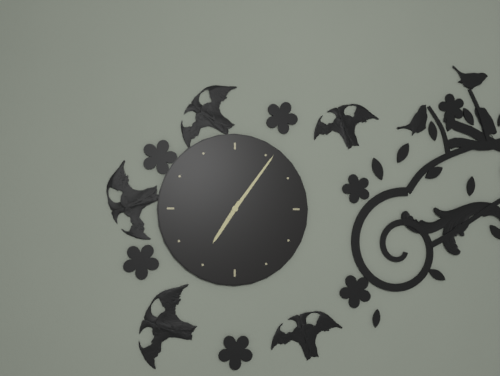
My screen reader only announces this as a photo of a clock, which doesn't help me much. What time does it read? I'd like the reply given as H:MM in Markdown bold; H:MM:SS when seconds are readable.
**7:06**
